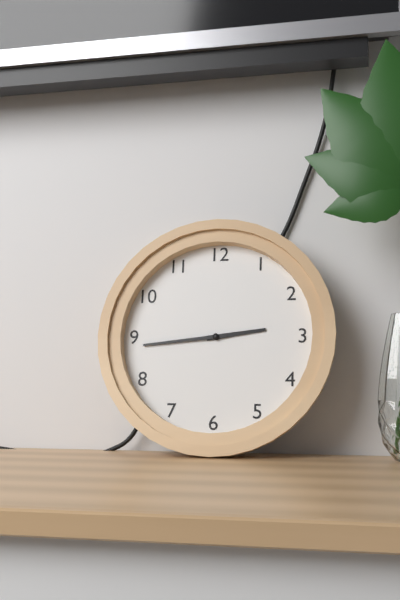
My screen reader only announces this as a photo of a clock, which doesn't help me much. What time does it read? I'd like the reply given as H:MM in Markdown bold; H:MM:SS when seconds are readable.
**2:44**
